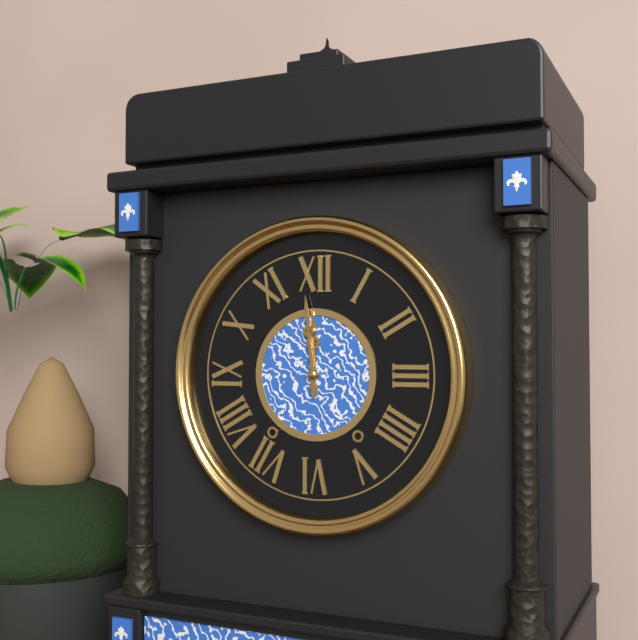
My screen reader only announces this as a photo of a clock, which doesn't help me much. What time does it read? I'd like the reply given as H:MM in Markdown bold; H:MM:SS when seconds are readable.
**11:59**
